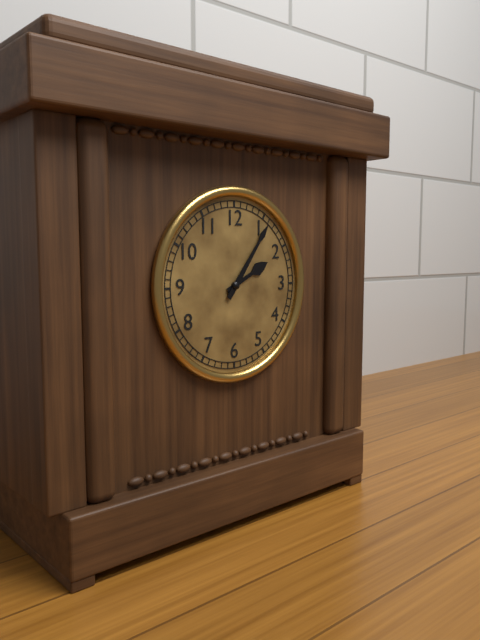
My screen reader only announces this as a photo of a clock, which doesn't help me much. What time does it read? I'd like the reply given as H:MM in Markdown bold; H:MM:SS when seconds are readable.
**2:06**
